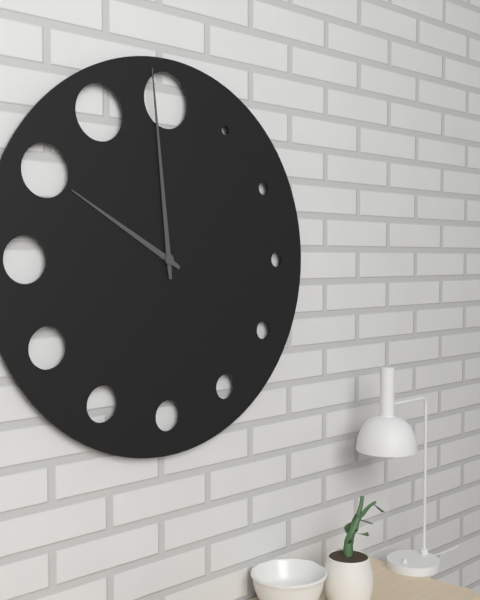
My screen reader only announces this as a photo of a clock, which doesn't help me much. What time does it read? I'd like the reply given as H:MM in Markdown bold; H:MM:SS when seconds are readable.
**9:59**
